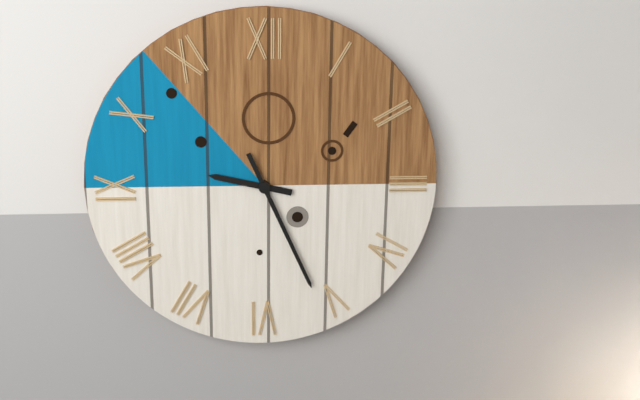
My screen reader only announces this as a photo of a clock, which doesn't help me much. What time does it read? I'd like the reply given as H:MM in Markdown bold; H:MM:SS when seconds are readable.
**9:26**
